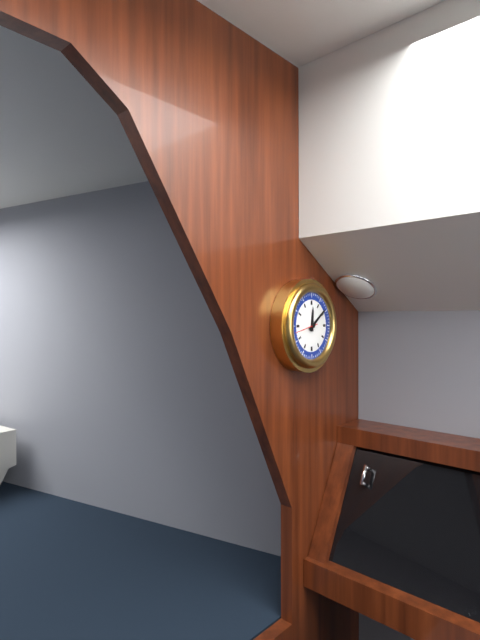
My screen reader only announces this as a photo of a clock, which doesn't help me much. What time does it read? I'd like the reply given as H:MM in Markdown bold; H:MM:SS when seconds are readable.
**12:09**
